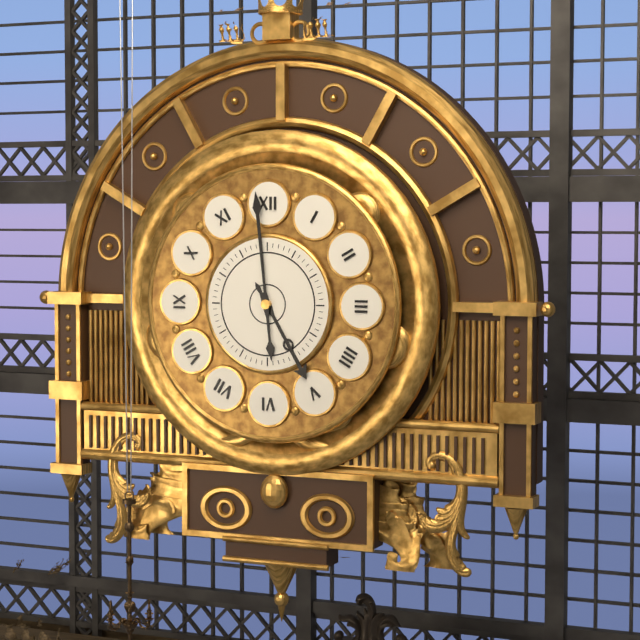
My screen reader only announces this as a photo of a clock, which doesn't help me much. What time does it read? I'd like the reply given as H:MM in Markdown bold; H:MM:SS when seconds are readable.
**4:59**
